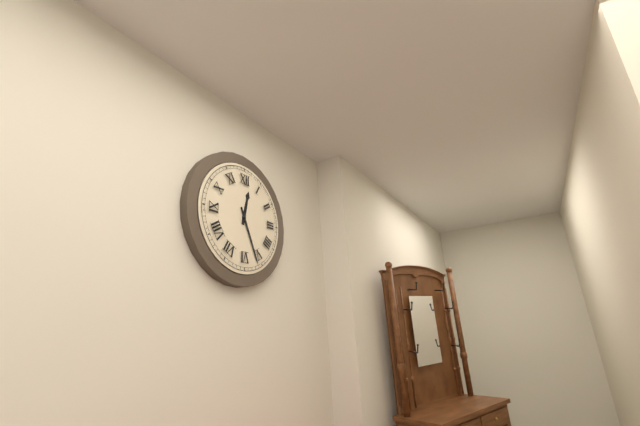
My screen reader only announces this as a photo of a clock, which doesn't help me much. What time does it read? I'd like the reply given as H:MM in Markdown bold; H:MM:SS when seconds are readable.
**12:26**
